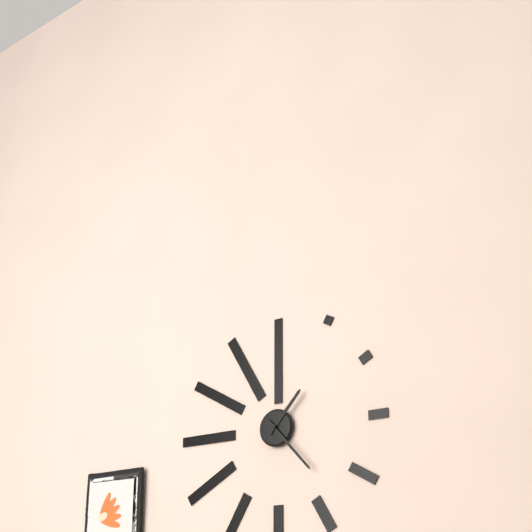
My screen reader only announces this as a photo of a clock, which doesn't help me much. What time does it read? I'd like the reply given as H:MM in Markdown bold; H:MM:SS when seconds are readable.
**1:23**
